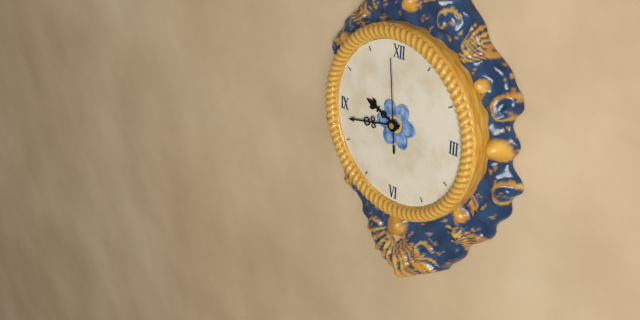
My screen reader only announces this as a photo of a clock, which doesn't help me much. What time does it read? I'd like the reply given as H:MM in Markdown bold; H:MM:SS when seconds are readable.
**9:43:59**
